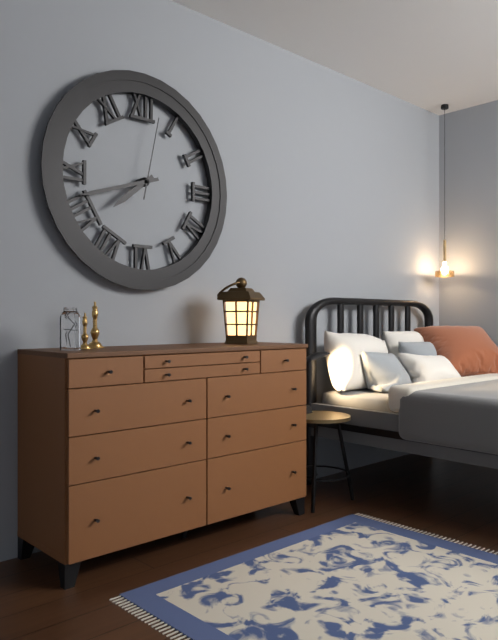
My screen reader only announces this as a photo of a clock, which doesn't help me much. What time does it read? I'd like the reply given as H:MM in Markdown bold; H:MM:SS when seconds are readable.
**7:42:02**
